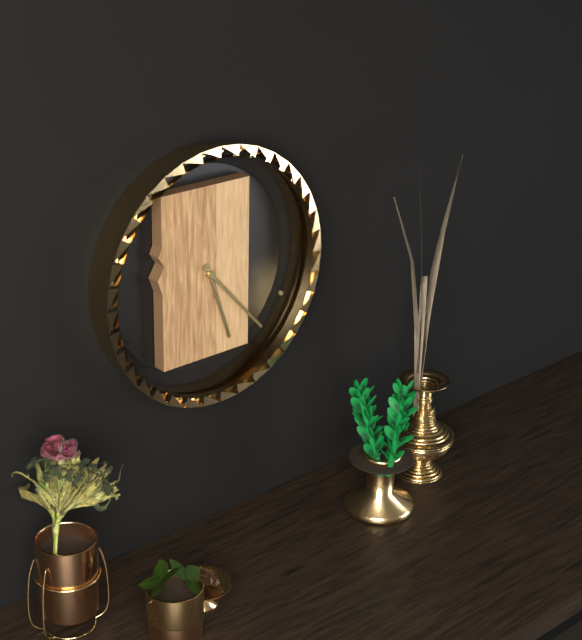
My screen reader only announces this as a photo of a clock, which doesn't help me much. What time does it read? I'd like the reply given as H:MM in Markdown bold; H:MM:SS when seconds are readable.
**5:23**
